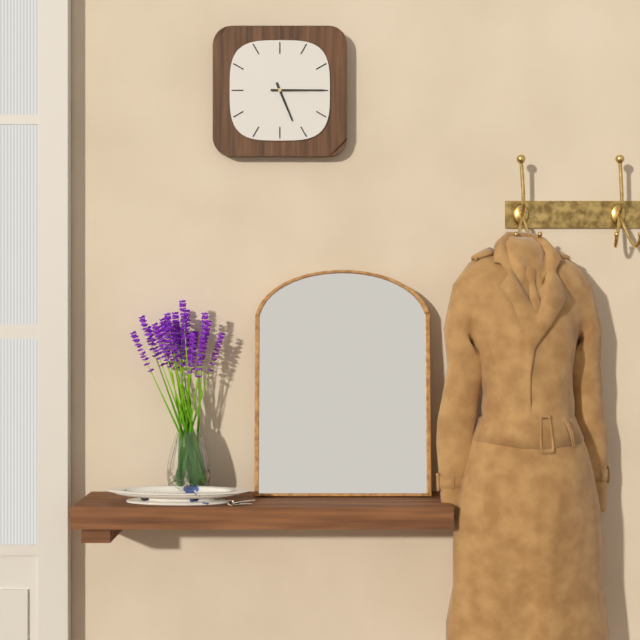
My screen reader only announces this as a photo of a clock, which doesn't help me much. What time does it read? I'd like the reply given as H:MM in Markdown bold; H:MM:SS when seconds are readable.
**5:15**
